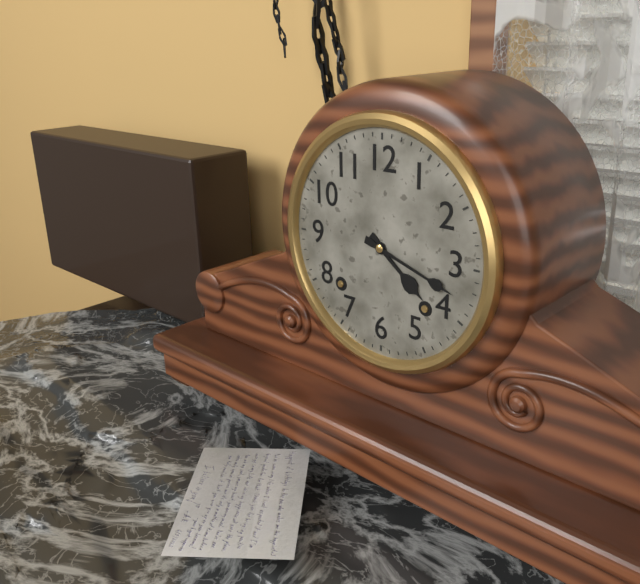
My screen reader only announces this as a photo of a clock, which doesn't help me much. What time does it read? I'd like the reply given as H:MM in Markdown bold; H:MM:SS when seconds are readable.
**4:18**
